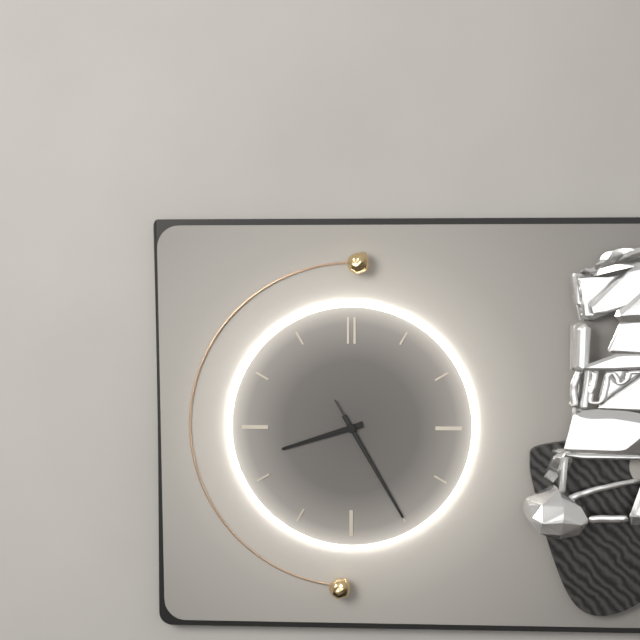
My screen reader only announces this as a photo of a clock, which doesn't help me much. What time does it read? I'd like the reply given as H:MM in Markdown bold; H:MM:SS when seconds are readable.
**8:25:25**
